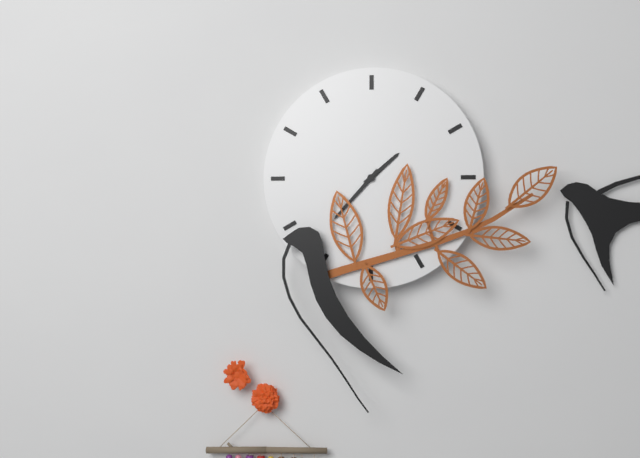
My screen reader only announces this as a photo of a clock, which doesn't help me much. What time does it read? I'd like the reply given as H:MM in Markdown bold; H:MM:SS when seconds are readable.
**1:37**
